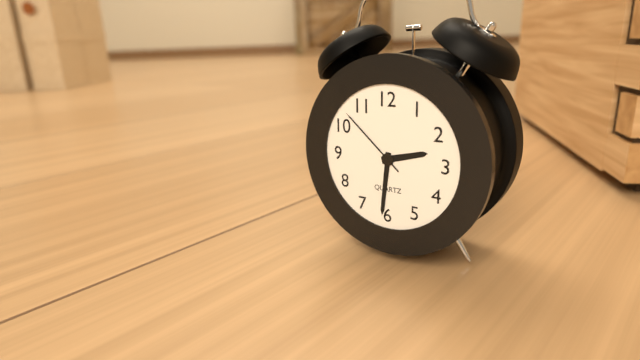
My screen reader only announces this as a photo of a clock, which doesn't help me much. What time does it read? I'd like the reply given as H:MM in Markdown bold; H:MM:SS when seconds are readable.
**2:31:52**
